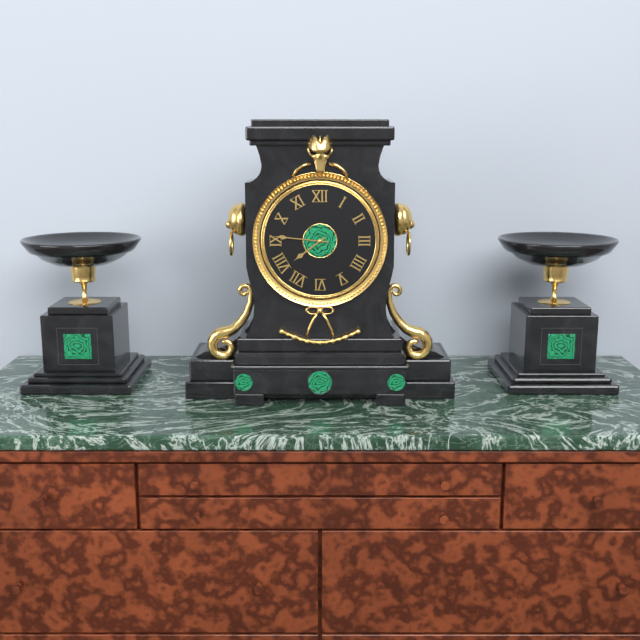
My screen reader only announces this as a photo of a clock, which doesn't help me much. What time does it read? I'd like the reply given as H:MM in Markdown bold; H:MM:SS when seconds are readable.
**7:46**
